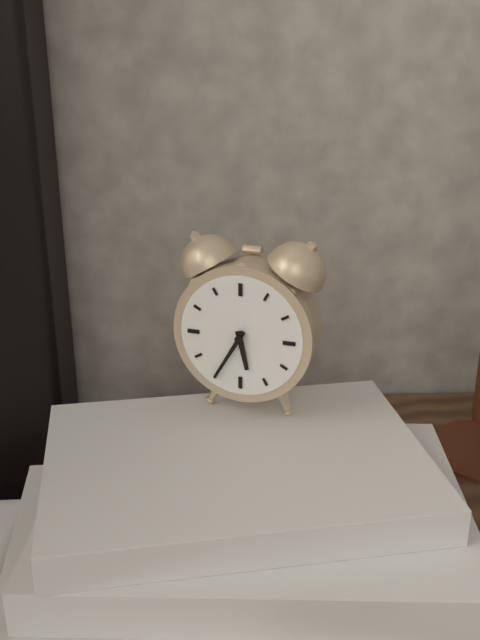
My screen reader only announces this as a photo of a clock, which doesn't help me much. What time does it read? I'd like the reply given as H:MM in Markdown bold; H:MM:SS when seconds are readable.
**5:35**
